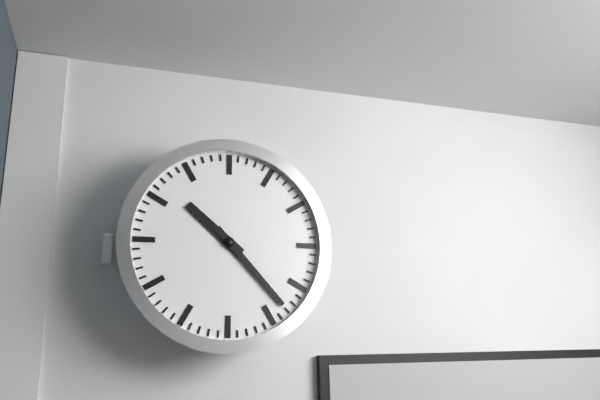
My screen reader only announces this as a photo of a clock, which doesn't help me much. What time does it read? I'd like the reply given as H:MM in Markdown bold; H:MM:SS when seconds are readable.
**10:23**
